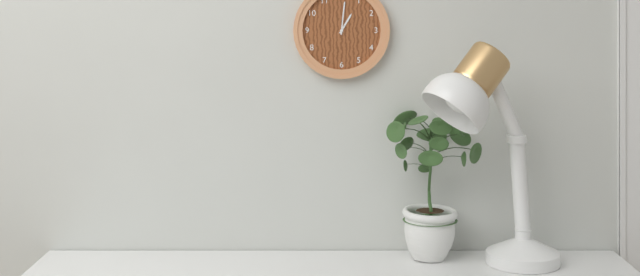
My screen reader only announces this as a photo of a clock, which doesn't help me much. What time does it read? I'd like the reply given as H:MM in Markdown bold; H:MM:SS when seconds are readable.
**1:01**
